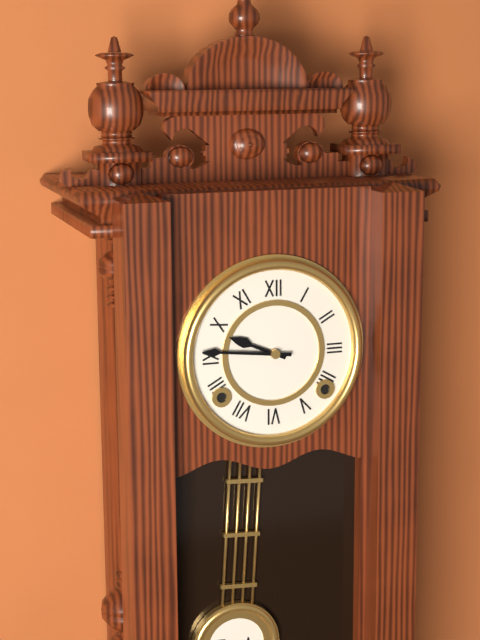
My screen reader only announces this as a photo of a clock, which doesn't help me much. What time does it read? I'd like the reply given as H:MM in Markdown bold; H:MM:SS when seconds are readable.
**9:46**
